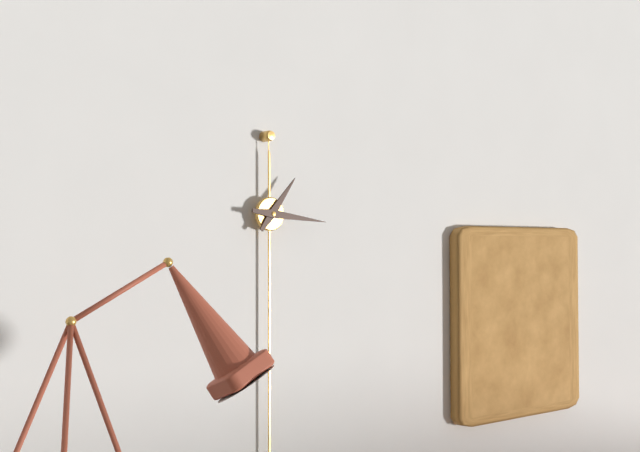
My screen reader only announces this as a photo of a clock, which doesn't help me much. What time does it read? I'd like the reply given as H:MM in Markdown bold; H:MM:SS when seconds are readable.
**1:16**
